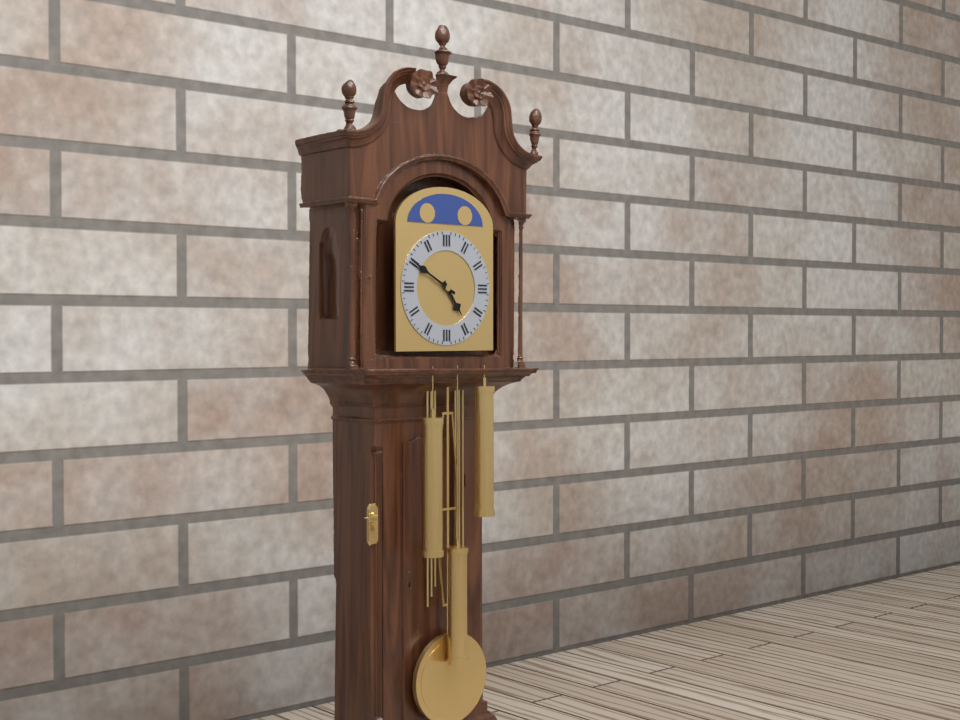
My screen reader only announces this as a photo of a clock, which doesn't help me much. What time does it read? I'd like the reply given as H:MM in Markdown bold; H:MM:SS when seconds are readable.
**4:50**
